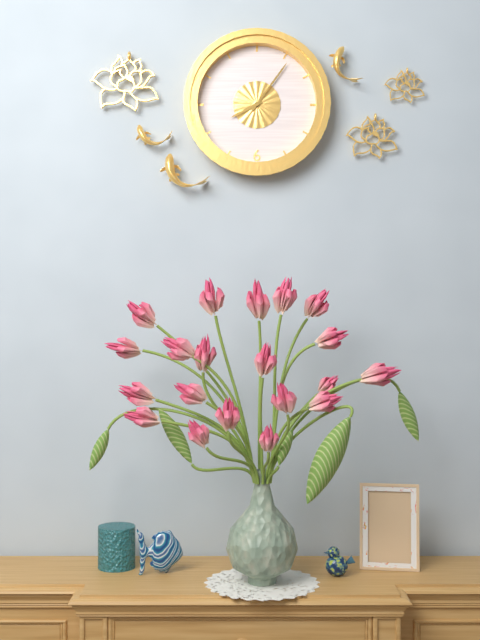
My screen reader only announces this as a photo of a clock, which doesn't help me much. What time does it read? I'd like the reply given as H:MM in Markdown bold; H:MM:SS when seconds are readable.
**8:06**
